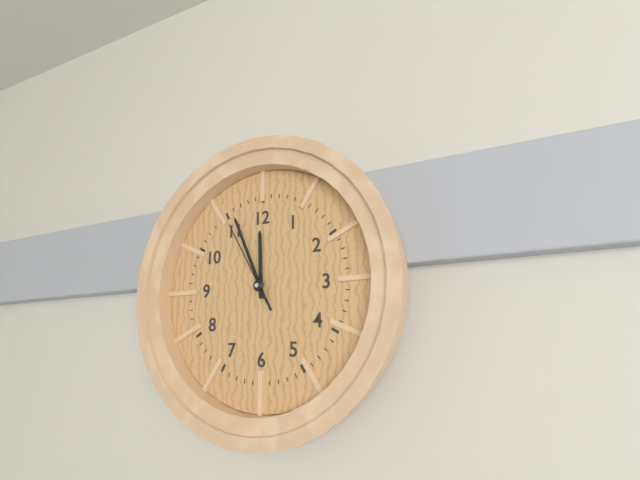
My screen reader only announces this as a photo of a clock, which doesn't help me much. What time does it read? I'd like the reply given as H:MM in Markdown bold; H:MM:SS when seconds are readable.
**11:56:55**
